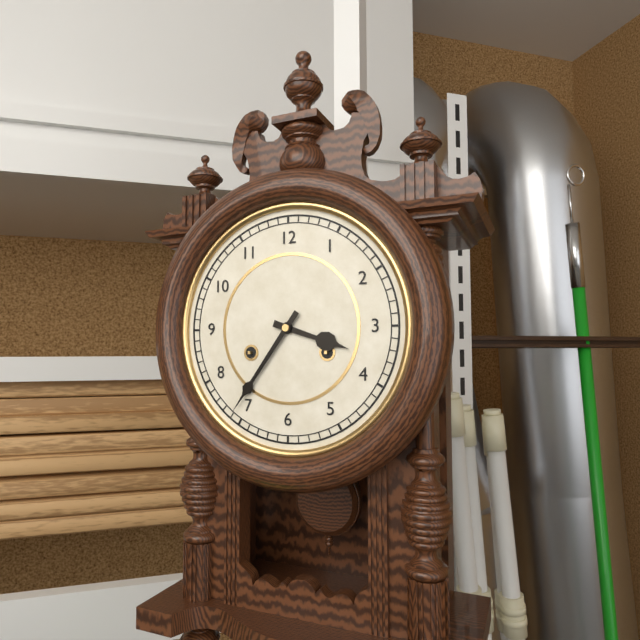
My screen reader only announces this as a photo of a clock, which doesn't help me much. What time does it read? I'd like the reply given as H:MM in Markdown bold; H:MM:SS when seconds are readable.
**3:36**
